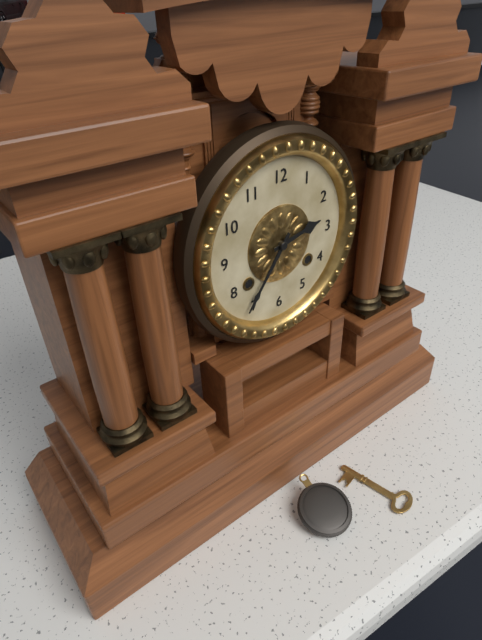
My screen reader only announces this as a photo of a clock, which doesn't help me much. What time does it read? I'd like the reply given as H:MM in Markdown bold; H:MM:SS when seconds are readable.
**2:36**
